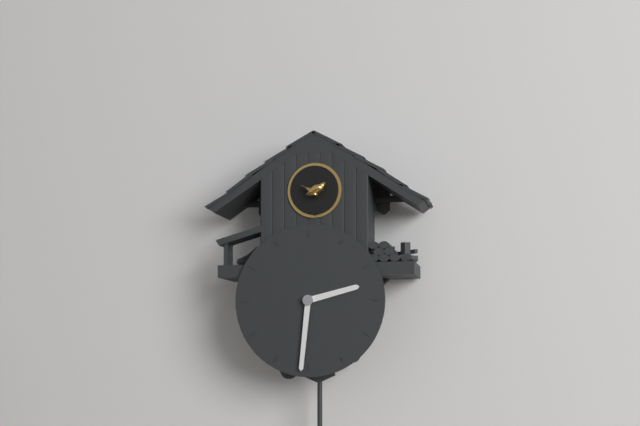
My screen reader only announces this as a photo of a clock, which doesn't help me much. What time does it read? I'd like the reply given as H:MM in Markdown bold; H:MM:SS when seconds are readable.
**2:31**
